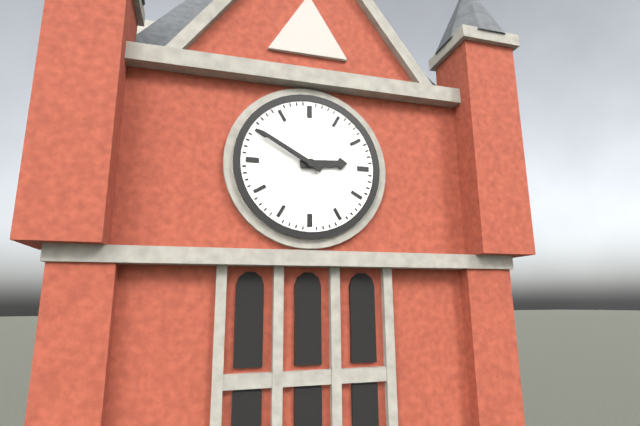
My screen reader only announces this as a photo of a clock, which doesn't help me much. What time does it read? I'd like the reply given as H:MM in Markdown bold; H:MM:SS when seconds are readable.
**2:50**
